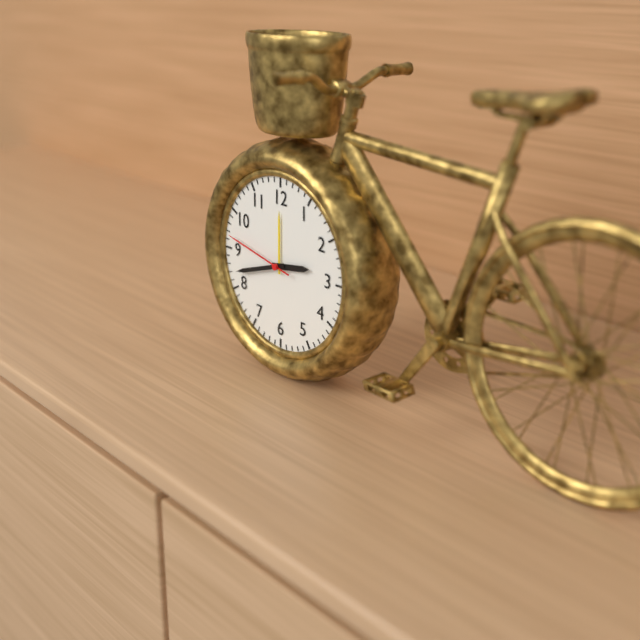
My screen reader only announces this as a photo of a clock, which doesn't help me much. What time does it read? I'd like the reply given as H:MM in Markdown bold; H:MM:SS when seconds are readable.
**2:42:47**
